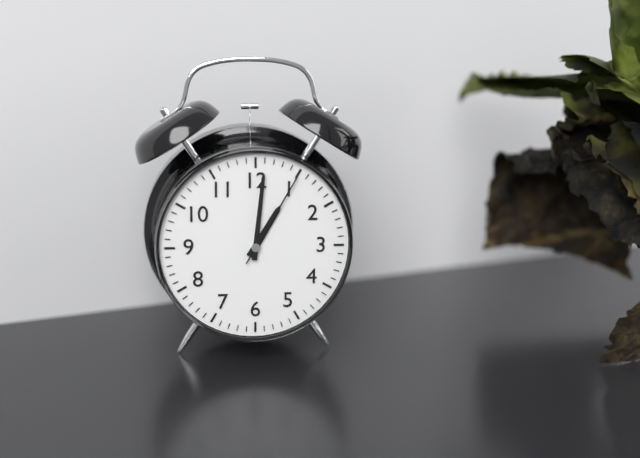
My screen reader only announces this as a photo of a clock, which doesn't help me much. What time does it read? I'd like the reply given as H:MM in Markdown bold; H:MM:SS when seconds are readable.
**1:01:05**
